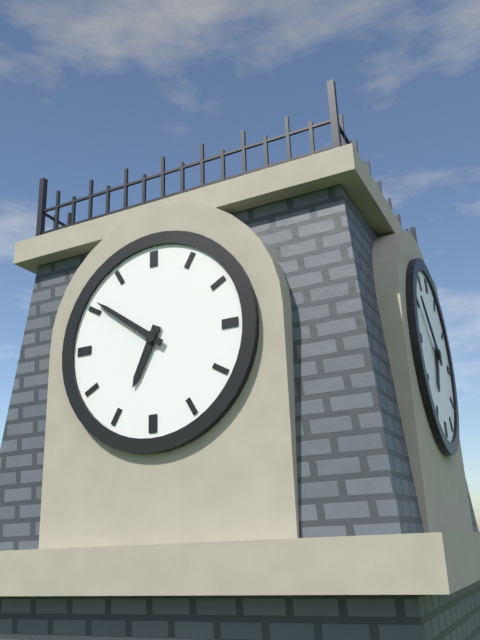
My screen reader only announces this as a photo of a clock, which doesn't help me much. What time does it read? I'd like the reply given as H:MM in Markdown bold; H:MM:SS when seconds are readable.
**6:51**
